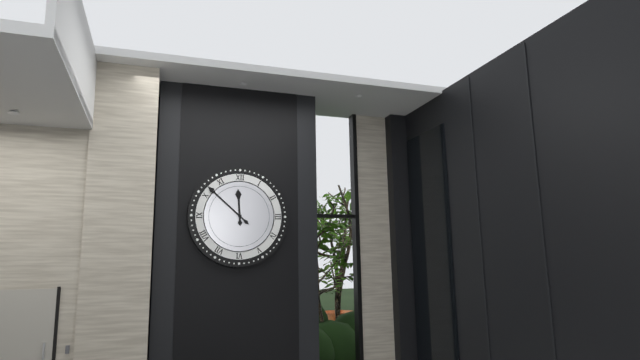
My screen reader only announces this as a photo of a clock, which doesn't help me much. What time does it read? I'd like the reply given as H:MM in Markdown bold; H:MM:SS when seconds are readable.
**11:52**
